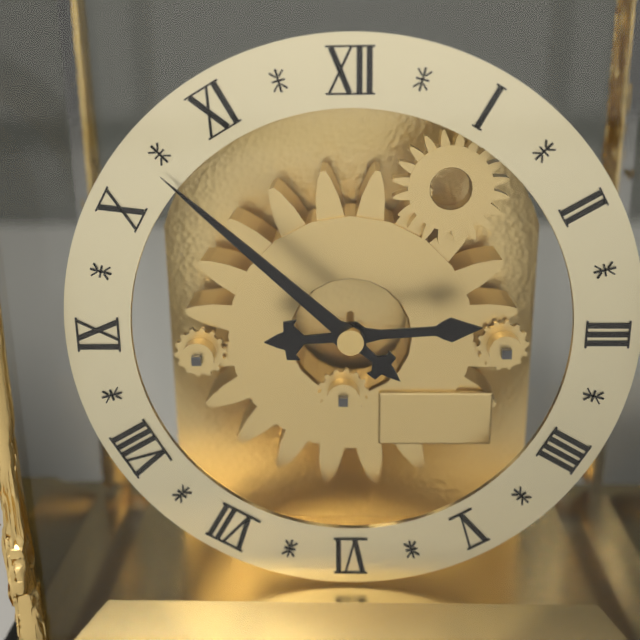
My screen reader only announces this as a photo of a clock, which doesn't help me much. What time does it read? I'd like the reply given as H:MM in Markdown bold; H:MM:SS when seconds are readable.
**2:52**
